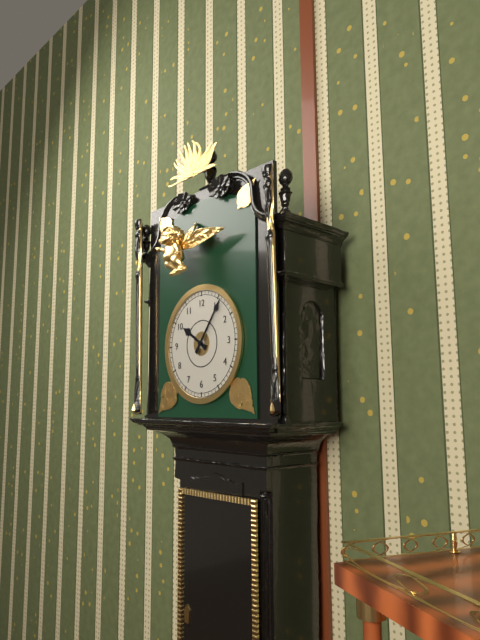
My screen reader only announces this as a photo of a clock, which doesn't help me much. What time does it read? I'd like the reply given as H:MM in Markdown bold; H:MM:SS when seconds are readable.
**10:06**
